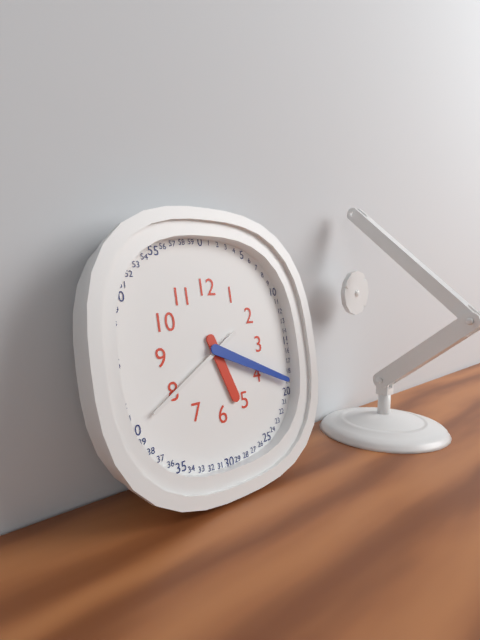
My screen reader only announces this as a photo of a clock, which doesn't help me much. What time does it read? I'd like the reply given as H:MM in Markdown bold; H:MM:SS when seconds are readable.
**5:19:40**
